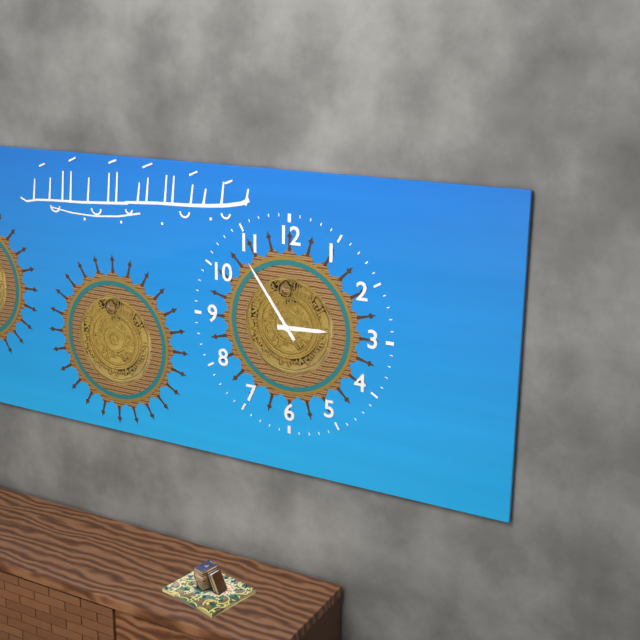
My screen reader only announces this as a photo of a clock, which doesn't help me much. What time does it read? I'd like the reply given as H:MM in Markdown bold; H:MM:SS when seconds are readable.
**2:54**
